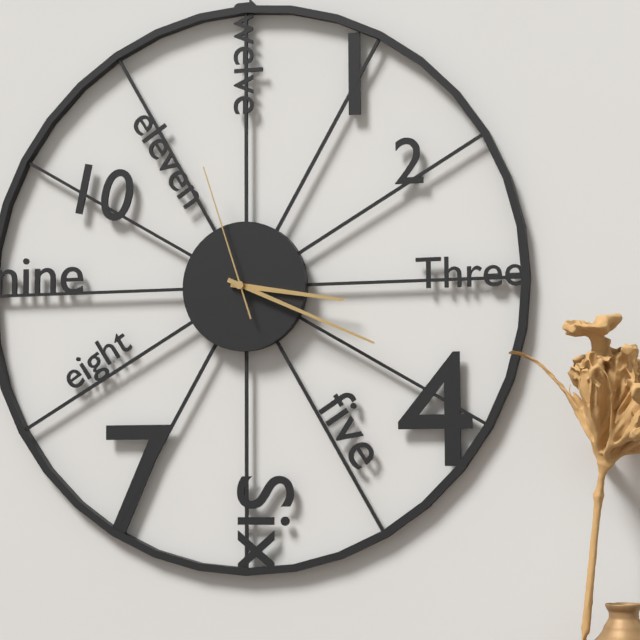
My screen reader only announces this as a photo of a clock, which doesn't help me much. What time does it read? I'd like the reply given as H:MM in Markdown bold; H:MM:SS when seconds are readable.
**3:19:57**
